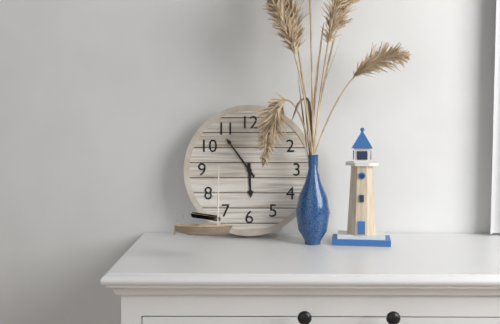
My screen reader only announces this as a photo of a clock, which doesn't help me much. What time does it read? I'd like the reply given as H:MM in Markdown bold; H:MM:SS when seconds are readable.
**5:54**
